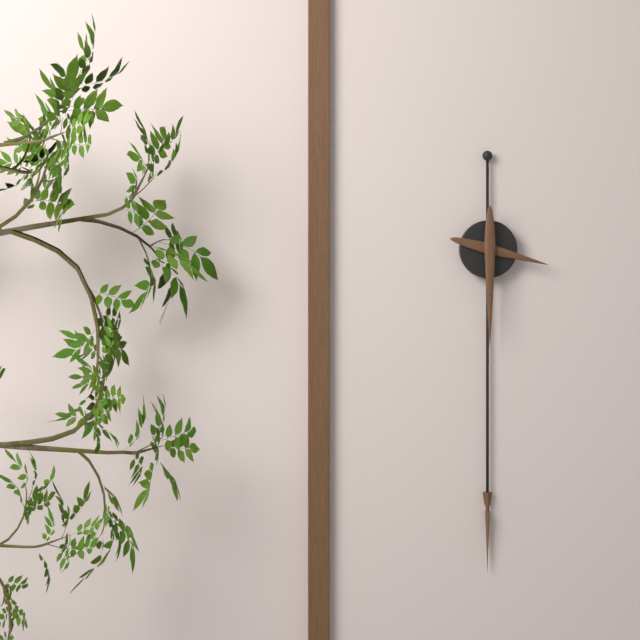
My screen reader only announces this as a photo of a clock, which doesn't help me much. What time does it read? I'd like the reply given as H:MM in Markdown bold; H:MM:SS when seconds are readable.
**3:30**
